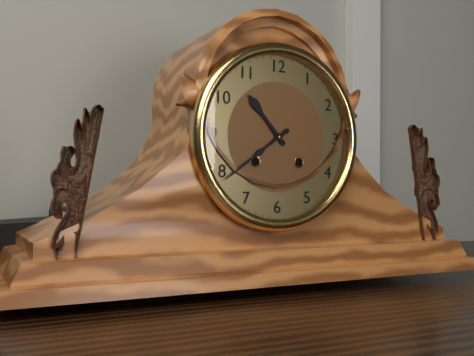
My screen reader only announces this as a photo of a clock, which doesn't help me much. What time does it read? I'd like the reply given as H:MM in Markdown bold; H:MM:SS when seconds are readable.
**10:39**
